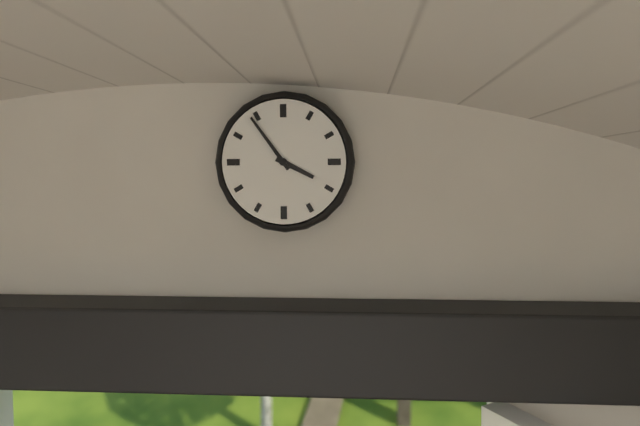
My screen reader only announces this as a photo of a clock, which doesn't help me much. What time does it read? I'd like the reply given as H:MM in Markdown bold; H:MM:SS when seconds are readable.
**3:54**
